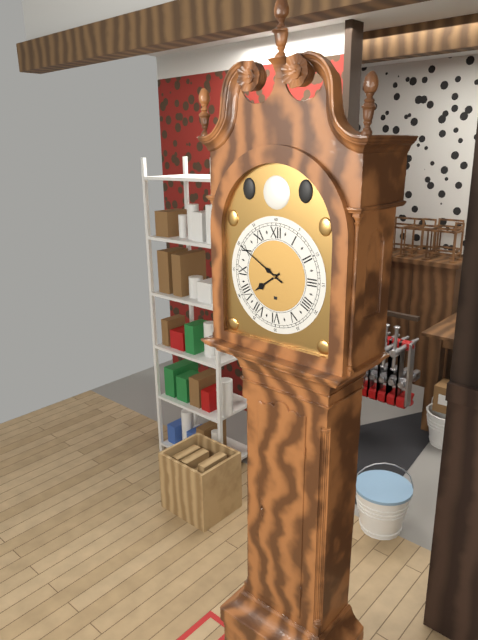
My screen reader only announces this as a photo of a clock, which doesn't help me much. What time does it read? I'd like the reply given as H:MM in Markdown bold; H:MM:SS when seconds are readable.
**7:50**
